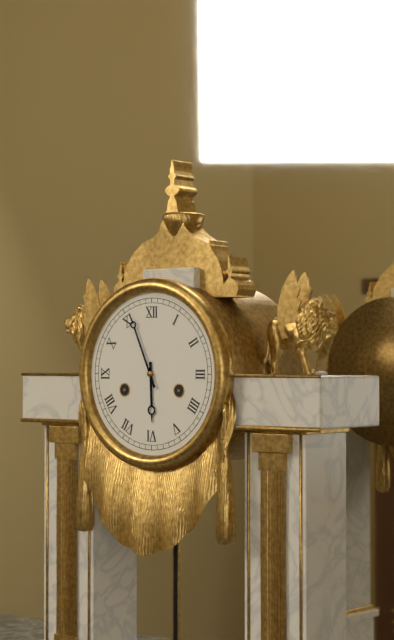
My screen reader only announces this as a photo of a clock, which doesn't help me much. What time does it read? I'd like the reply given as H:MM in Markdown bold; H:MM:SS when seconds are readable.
**5:56**
